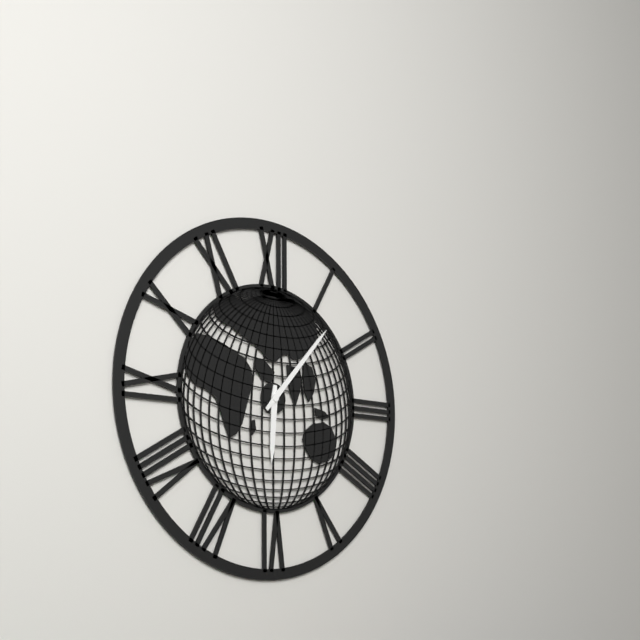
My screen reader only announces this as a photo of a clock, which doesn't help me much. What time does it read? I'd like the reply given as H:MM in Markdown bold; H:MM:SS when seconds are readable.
**6:07**
